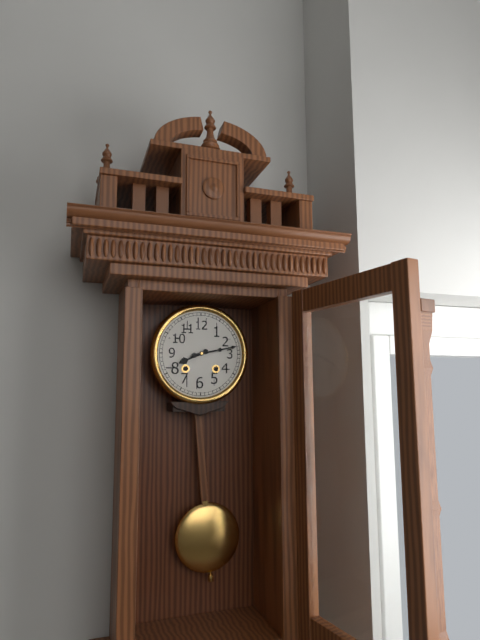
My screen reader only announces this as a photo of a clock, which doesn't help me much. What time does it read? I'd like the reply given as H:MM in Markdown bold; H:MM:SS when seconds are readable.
**8:13**
